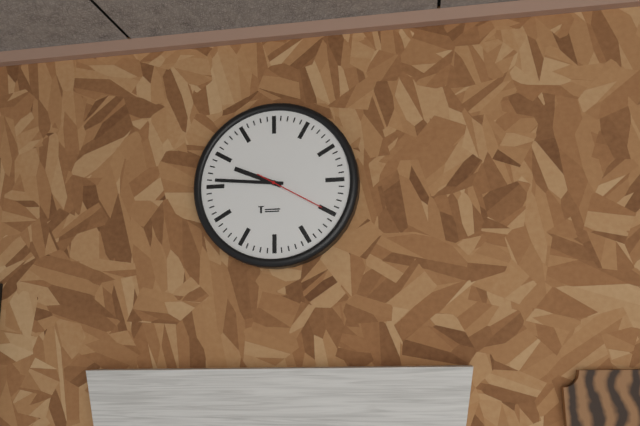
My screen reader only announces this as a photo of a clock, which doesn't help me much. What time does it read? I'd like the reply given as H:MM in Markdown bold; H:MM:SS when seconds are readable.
**9:46:20**
